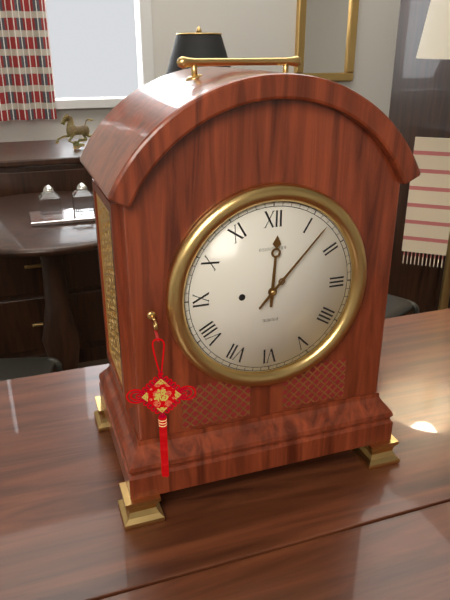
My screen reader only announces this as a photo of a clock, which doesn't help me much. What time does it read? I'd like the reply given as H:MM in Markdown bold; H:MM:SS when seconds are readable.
**12:07**
